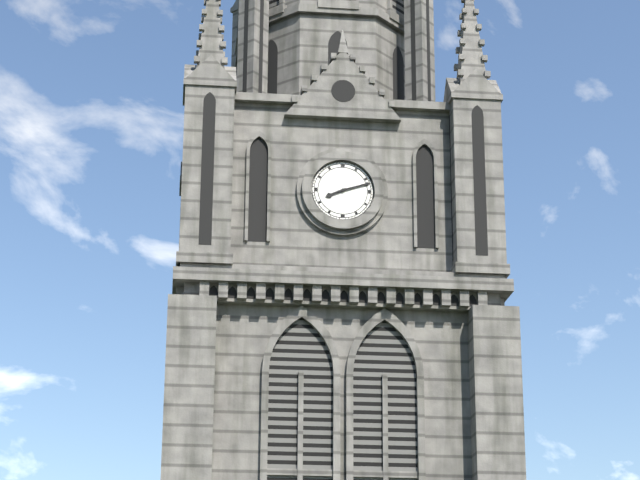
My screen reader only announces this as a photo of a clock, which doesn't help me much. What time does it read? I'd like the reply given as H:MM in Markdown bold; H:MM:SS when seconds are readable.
**8:12**
